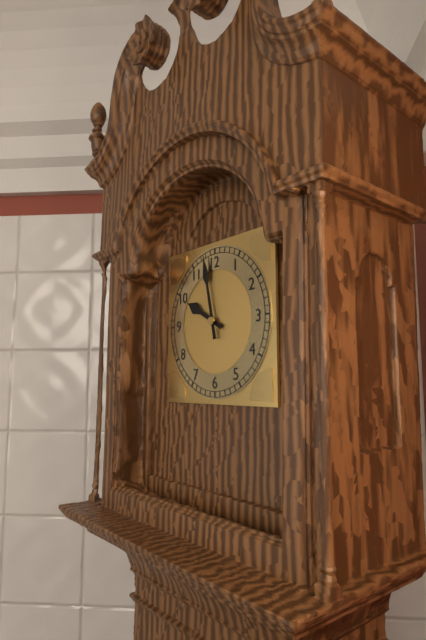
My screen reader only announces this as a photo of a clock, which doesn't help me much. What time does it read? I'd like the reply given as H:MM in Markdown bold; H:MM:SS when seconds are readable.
**9:58**
